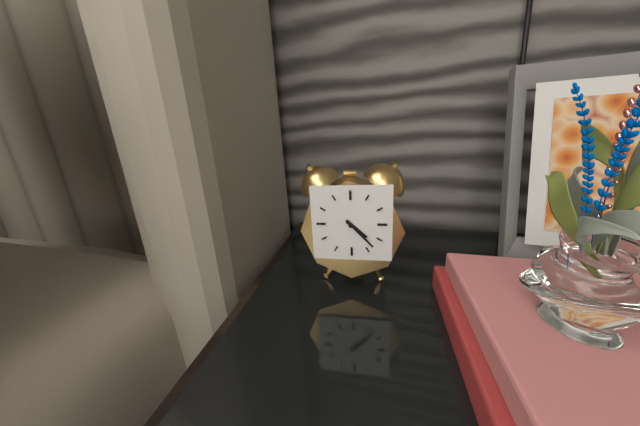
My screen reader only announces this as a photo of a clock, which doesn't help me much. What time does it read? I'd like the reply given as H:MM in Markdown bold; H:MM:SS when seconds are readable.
**4:23**
